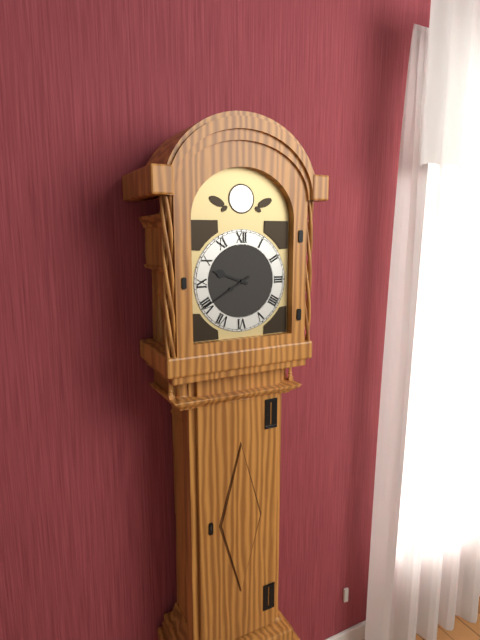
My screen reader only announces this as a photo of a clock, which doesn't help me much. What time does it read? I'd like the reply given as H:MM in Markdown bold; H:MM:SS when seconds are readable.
**9:40**
